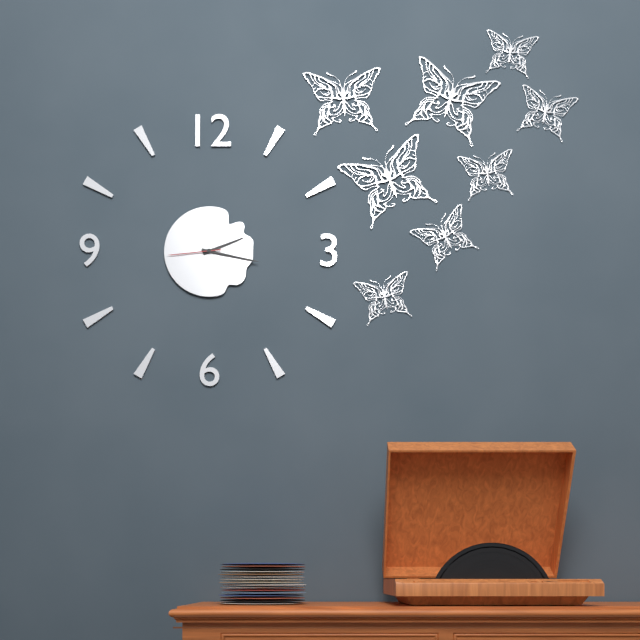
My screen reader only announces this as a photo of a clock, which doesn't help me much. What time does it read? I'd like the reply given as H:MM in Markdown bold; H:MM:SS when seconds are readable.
**2:17:44**
